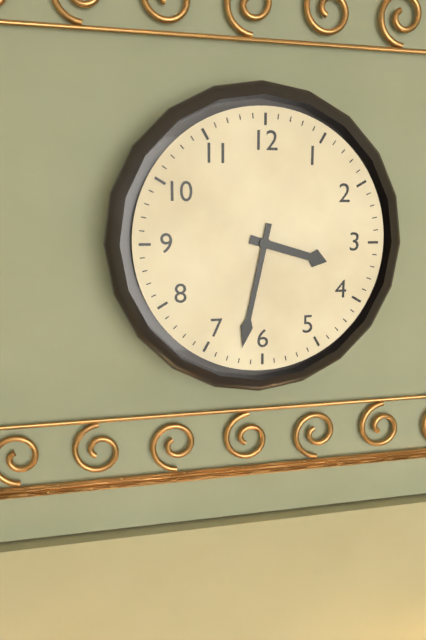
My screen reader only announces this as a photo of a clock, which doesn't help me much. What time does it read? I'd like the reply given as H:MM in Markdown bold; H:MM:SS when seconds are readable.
**3:32**
